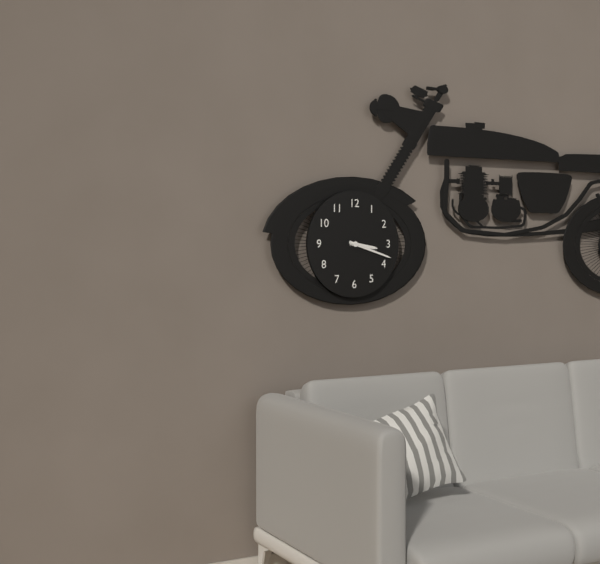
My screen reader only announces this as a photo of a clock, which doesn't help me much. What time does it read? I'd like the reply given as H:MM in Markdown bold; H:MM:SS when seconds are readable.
**3:18**
